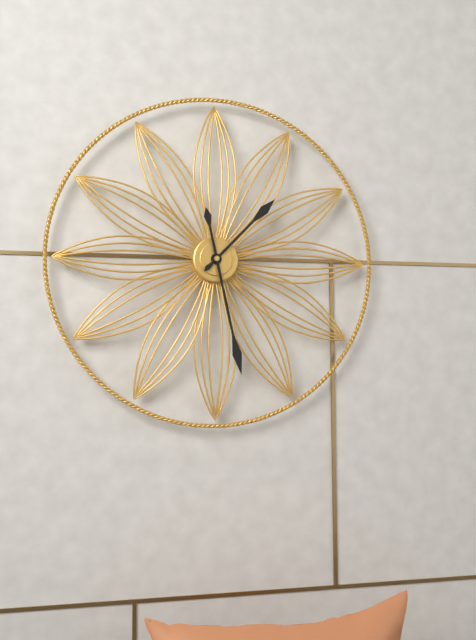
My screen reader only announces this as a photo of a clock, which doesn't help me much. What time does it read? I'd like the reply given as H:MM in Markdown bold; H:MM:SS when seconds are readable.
**1:28**
